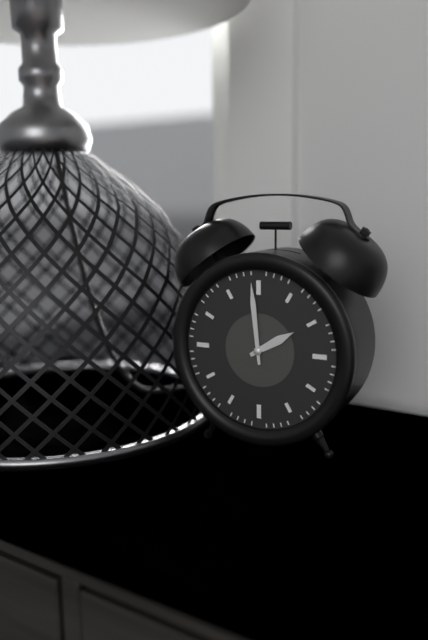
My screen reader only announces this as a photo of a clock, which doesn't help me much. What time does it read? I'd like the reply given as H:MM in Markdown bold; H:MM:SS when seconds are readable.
**1:59**
